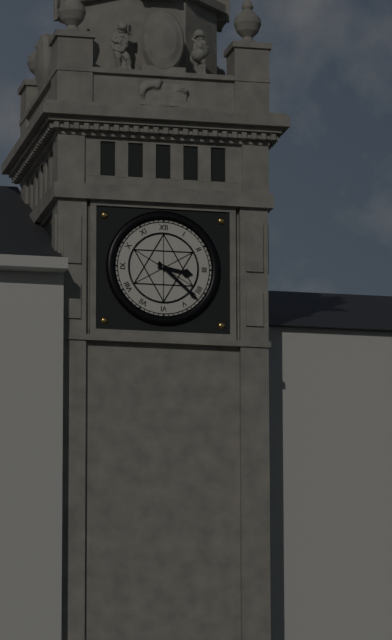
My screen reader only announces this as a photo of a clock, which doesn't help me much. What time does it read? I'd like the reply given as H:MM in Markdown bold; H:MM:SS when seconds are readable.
**3:22**
